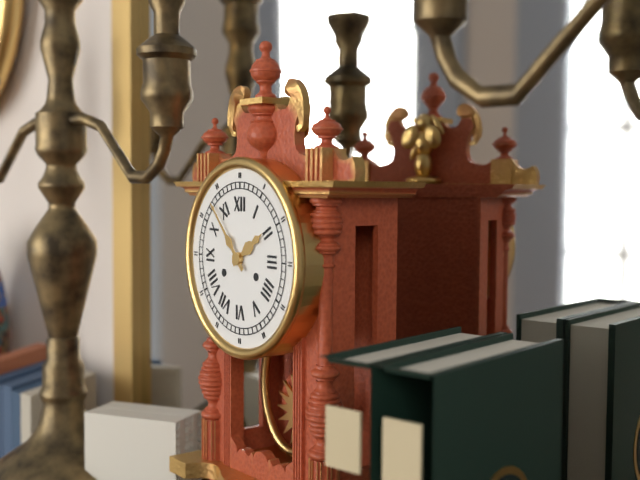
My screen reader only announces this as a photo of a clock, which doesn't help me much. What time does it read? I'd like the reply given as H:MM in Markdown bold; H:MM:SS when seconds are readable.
**1:53**
